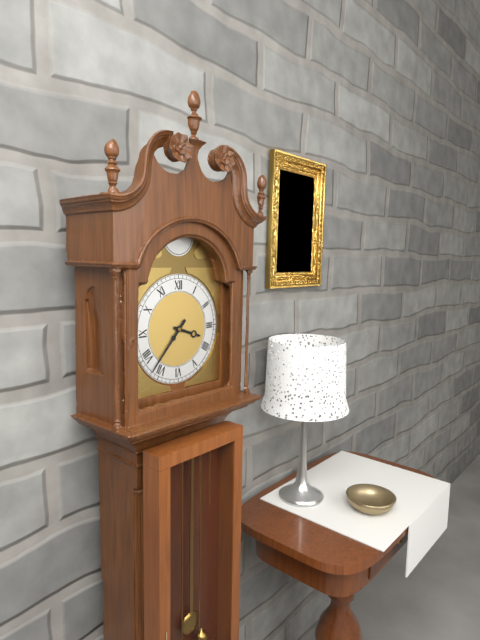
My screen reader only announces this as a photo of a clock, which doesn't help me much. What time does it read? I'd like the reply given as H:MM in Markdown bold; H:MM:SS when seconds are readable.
**3:37**
